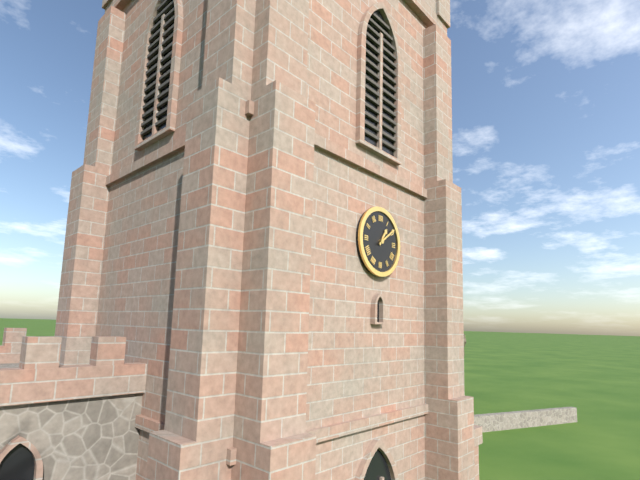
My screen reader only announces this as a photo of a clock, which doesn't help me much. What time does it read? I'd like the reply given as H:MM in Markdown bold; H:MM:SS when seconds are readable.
**1:09**
